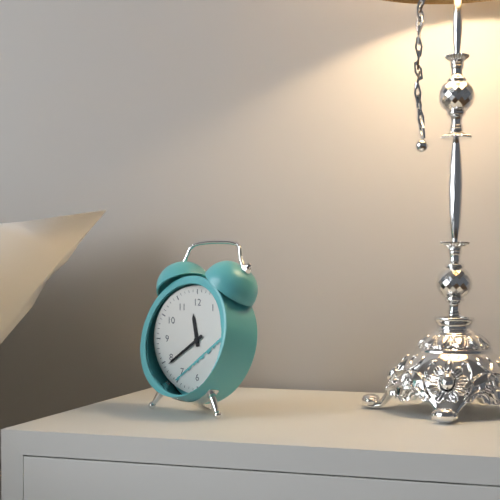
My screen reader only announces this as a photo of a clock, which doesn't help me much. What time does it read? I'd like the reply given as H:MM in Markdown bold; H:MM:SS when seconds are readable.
**11:39**
